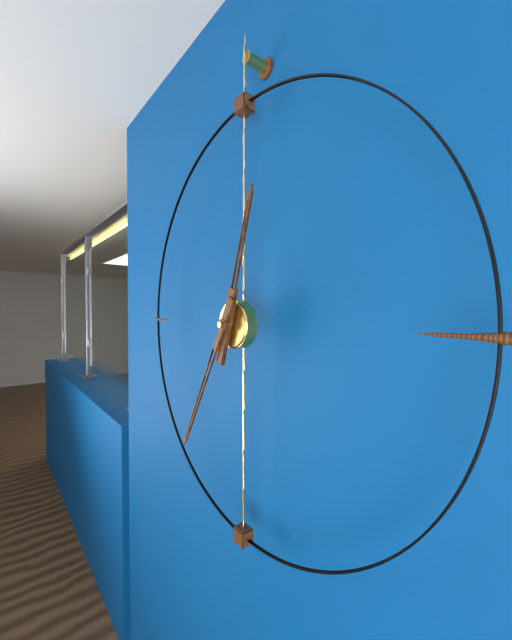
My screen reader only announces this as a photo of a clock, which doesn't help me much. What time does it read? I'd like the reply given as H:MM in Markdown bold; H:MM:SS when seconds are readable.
**12:35**
